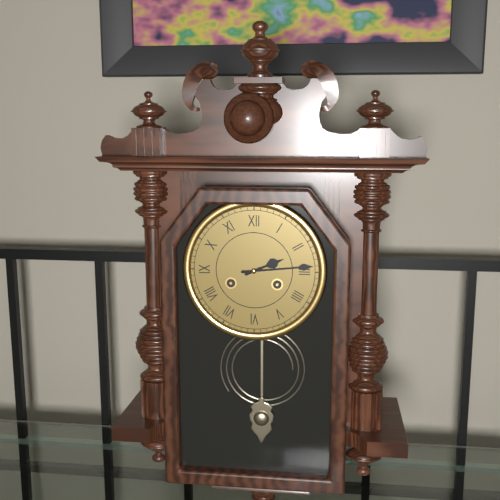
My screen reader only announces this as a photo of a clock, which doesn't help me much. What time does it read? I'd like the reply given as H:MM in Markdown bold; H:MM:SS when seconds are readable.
**2:14**
